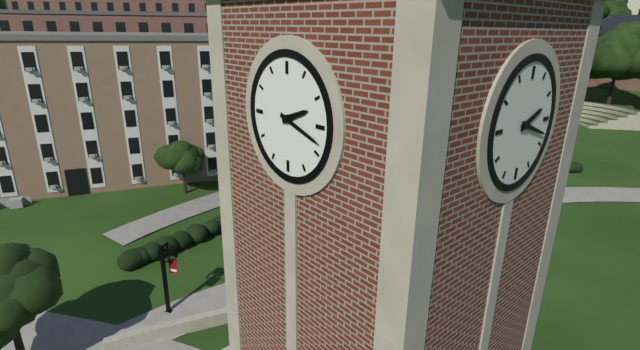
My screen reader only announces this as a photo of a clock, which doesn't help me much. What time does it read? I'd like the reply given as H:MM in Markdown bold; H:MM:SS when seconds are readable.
**2:18**
